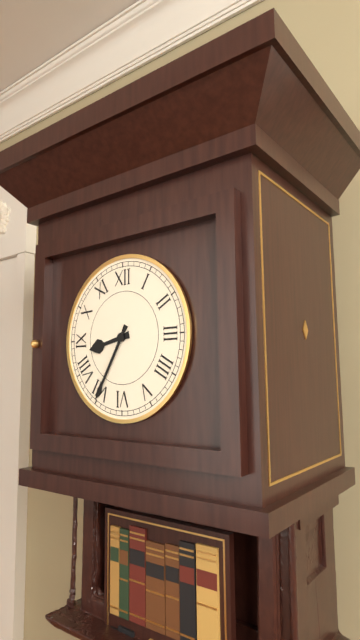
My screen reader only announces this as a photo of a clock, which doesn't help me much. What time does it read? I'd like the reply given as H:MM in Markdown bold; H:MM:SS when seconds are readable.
**8:35**
